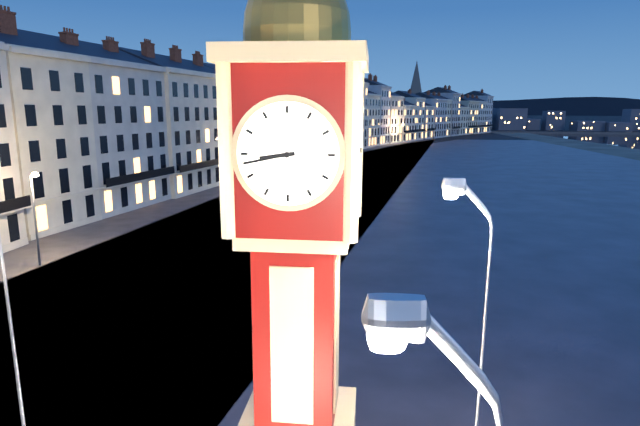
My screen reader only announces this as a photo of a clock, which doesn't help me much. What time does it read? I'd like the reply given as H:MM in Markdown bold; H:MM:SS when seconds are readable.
**8:43**
